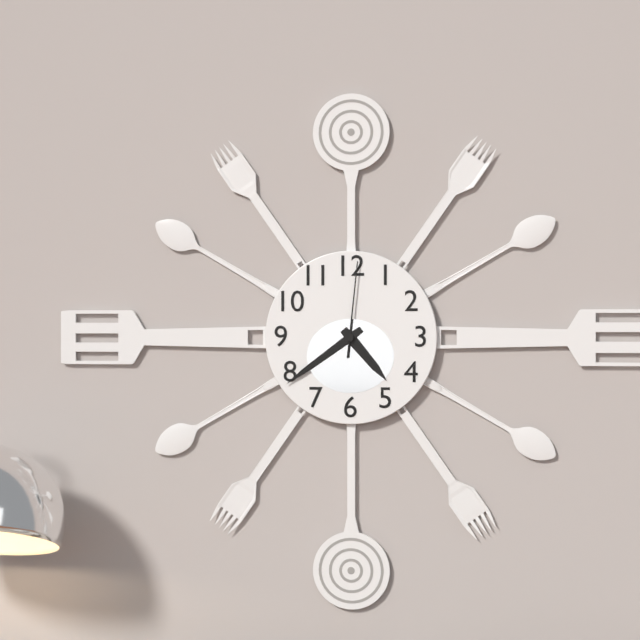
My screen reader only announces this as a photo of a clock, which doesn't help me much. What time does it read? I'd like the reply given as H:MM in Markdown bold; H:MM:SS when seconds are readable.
**4:39:01**
